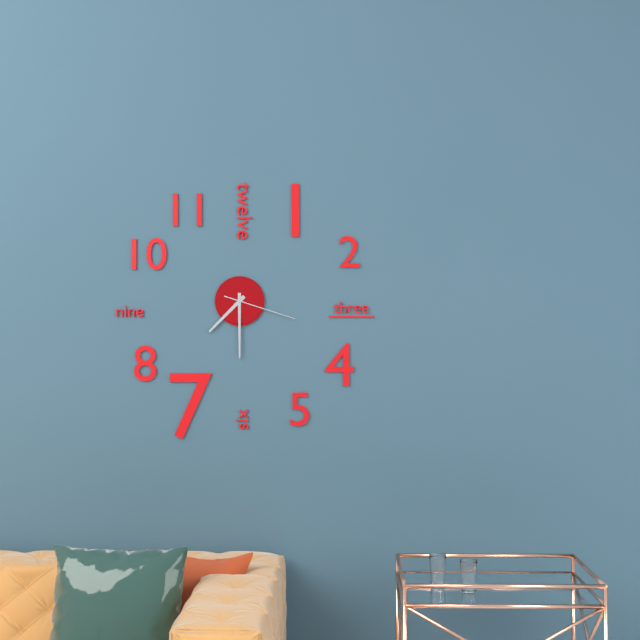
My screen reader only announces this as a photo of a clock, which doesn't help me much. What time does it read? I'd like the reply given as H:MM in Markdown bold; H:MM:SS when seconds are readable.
**7:30:18**
